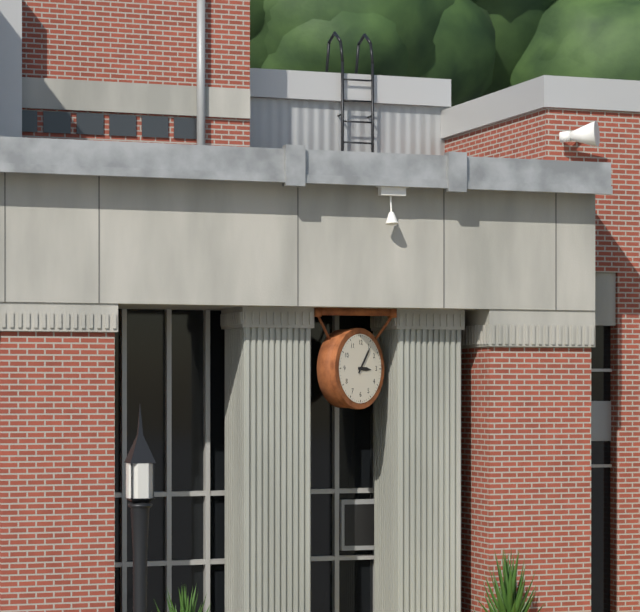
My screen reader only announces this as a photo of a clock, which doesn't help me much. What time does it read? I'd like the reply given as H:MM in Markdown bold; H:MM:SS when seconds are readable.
**3:06**
